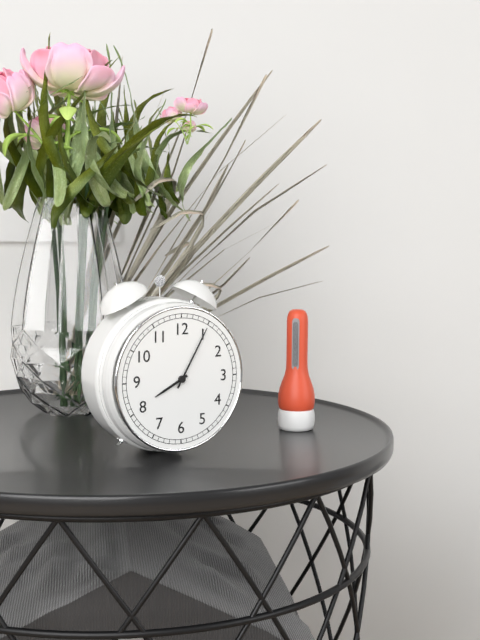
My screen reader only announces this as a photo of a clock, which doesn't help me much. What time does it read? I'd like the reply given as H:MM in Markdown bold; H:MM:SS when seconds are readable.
**8:05**
